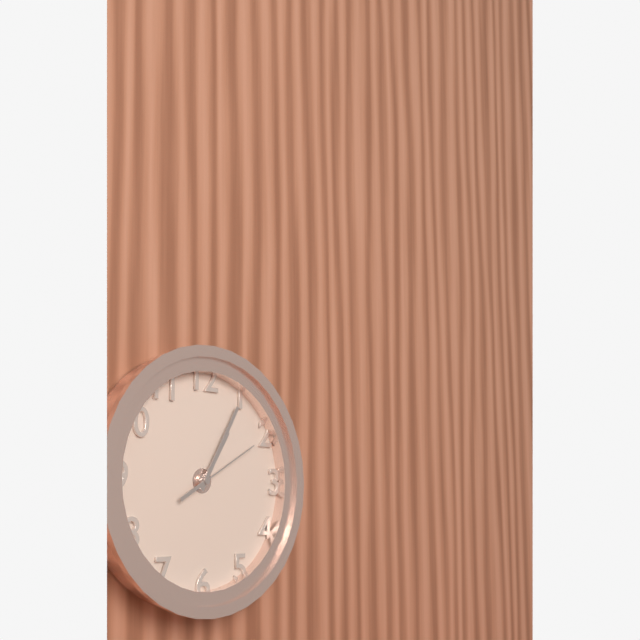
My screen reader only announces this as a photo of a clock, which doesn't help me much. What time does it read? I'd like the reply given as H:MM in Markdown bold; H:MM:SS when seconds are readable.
**1:05:10**
